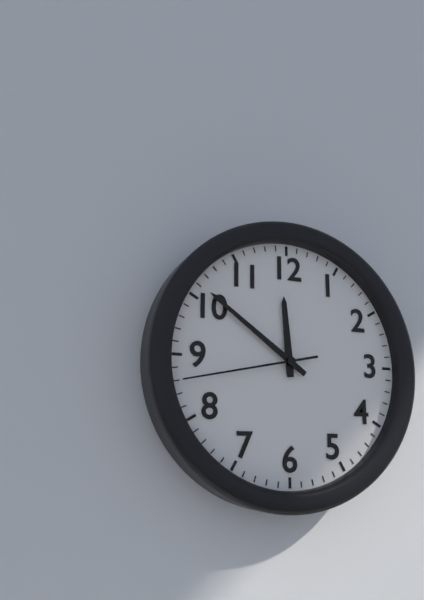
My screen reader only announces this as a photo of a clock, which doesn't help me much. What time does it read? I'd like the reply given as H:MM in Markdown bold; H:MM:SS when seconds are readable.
**11:51:43**
